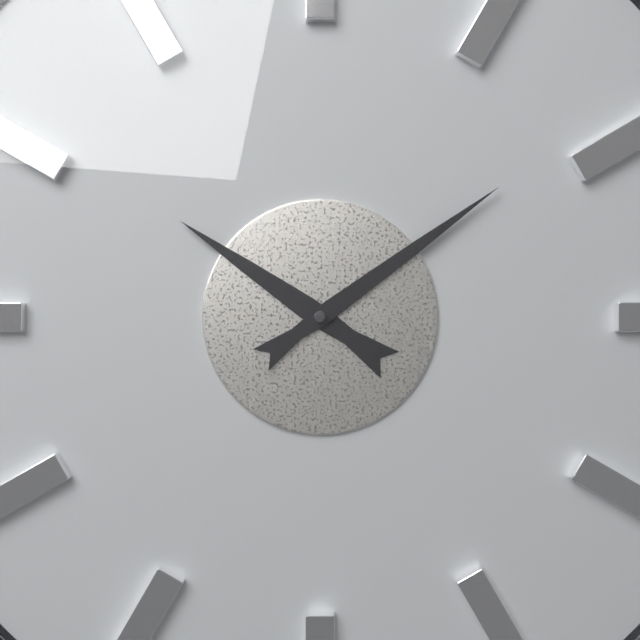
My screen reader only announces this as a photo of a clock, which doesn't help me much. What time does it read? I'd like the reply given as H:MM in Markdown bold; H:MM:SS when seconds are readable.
**10:09**
